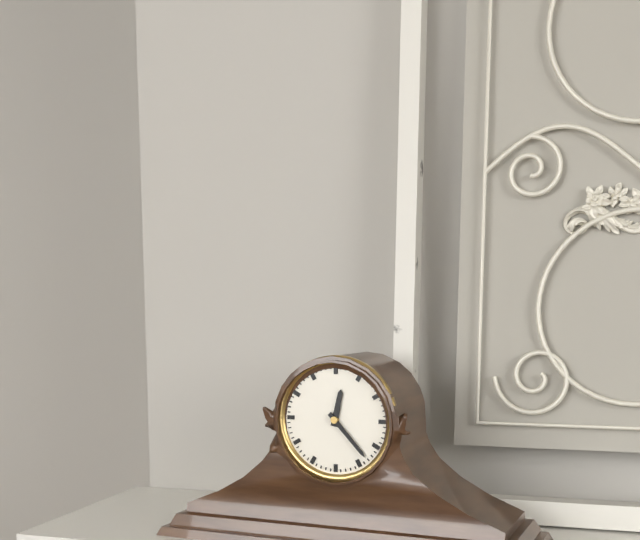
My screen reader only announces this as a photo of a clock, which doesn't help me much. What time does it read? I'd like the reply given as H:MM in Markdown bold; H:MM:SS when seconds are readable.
**12:23**
